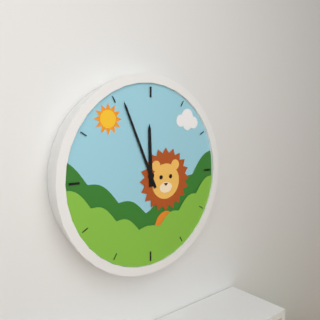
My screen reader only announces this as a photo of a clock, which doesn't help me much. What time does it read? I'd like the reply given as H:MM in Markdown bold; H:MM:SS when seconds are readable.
**11:56**
